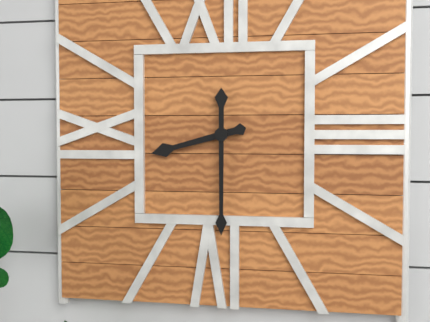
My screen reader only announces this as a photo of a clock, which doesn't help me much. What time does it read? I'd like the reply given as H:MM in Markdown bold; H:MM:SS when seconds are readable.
**8:30**
